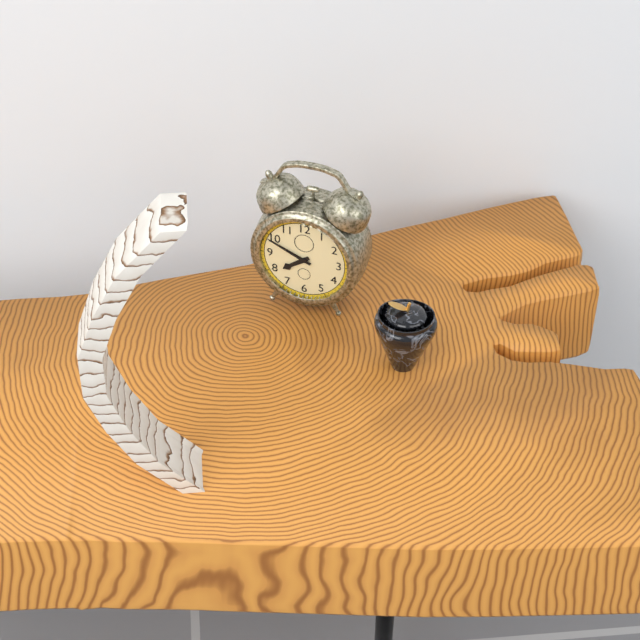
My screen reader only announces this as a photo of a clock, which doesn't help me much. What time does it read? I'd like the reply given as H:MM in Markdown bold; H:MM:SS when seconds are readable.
**7:49**
